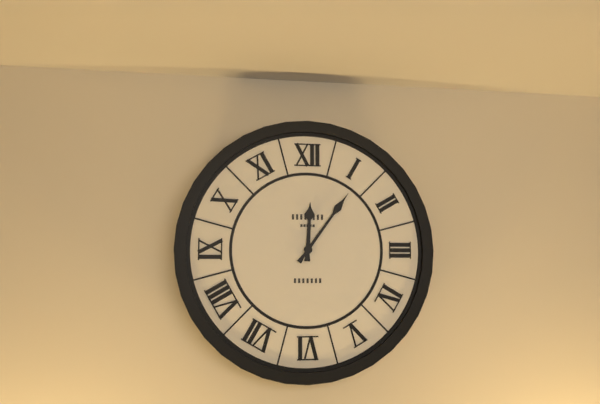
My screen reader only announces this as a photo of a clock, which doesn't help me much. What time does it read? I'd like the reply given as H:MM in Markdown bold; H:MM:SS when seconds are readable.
**12:06**
